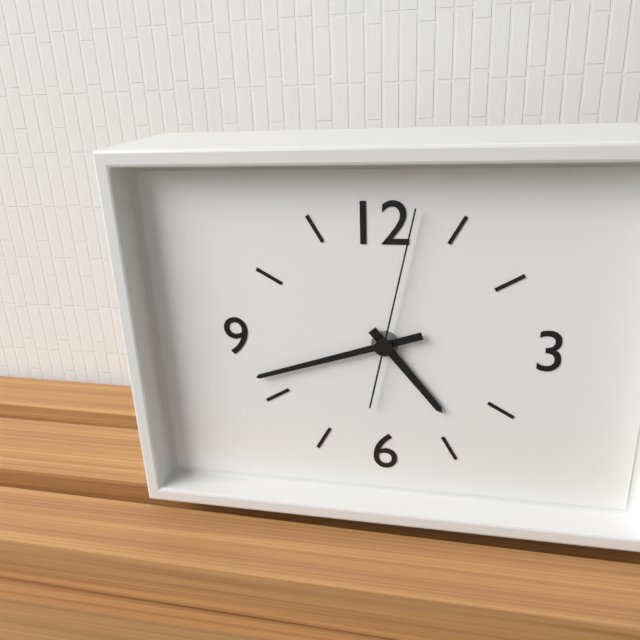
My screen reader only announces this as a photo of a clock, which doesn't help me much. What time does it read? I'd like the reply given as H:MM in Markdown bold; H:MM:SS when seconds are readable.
**4:42:02**
